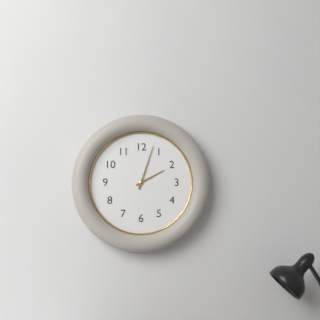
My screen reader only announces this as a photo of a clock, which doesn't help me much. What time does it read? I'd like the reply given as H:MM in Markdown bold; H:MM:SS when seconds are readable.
**2:03**
